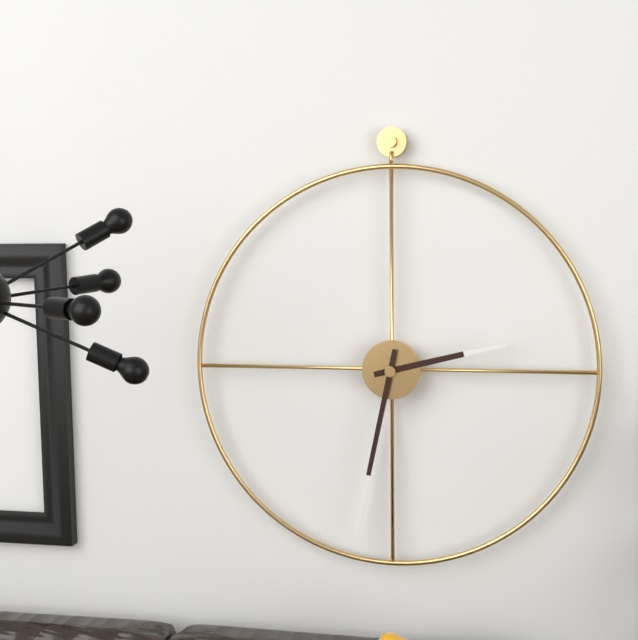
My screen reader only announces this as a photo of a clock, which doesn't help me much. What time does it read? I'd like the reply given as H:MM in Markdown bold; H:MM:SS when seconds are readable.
**2:32**
